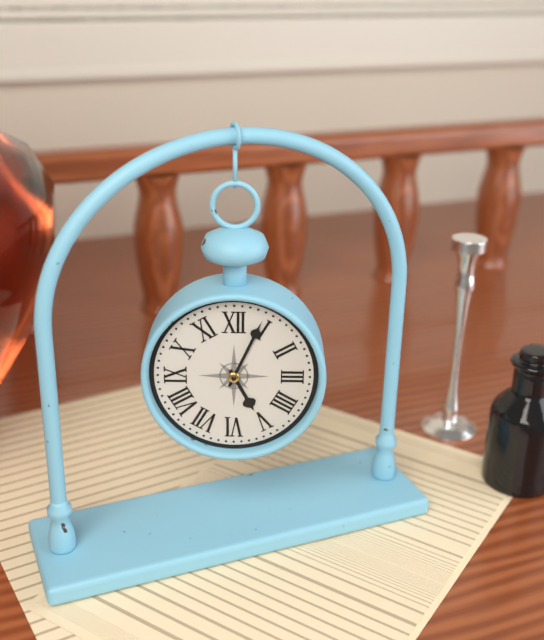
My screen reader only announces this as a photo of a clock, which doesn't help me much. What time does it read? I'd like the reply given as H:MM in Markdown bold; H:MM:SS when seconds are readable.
**5:04**
